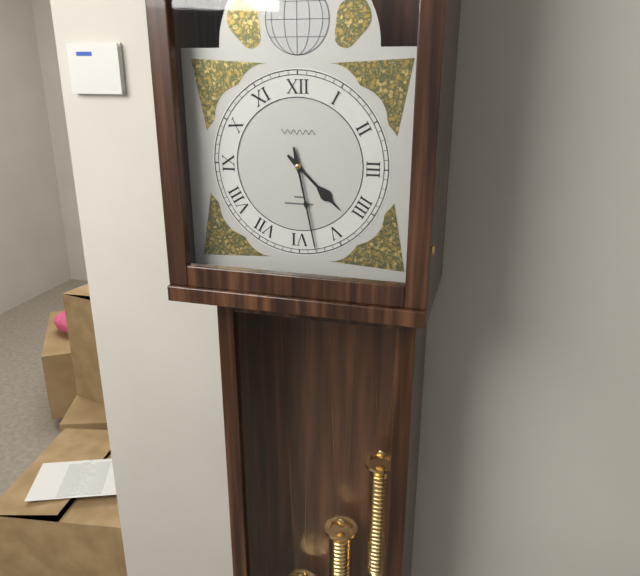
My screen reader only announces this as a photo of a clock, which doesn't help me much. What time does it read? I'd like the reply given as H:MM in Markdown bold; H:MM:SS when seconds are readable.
**4:28**
